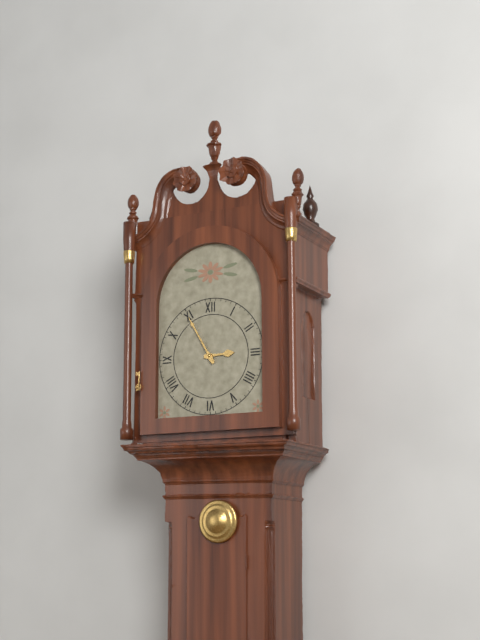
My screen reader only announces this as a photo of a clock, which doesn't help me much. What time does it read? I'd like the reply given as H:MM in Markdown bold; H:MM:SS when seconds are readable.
**2:55**
